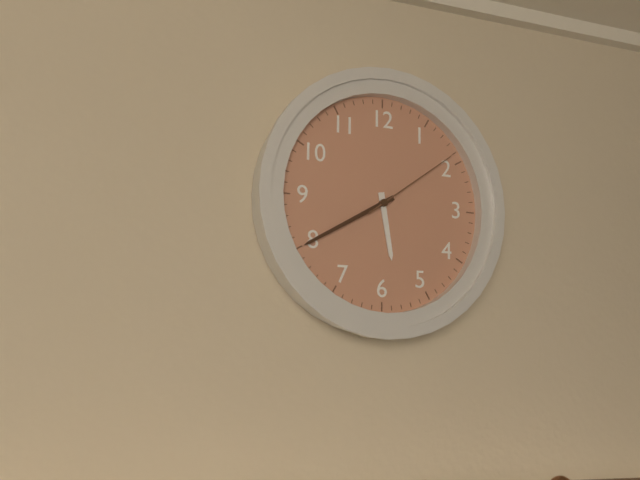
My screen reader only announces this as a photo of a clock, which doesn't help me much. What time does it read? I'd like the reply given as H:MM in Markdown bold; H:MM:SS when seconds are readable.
**5:40:09**
